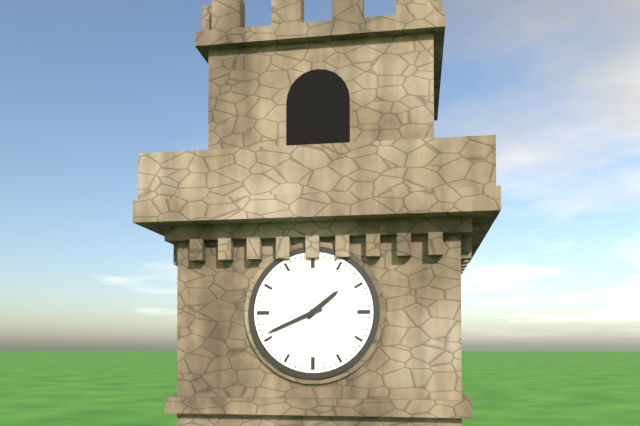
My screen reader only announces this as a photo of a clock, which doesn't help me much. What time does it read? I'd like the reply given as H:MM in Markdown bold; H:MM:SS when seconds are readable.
**1:41**
